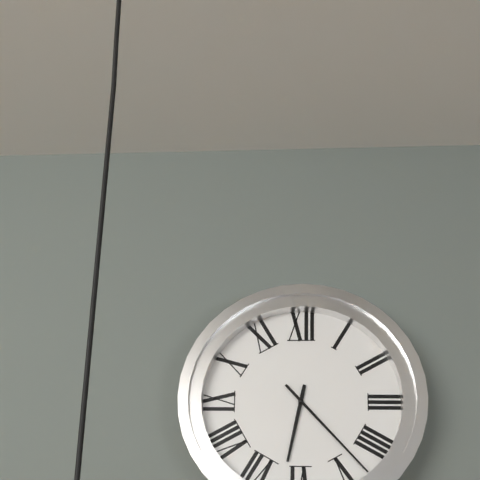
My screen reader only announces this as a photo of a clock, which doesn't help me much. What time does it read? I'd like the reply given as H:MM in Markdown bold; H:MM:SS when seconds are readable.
**6:23**
